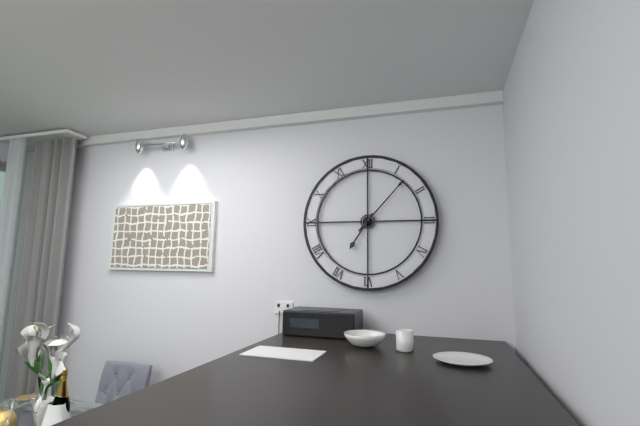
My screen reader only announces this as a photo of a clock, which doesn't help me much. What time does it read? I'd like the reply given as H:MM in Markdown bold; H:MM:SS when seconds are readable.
**7:07**
